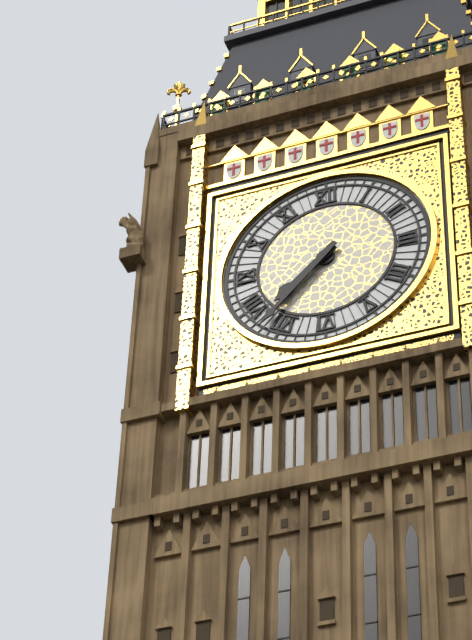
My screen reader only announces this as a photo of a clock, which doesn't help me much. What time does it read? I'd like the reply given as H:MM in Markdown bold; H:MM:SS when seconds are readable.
**7:37**
